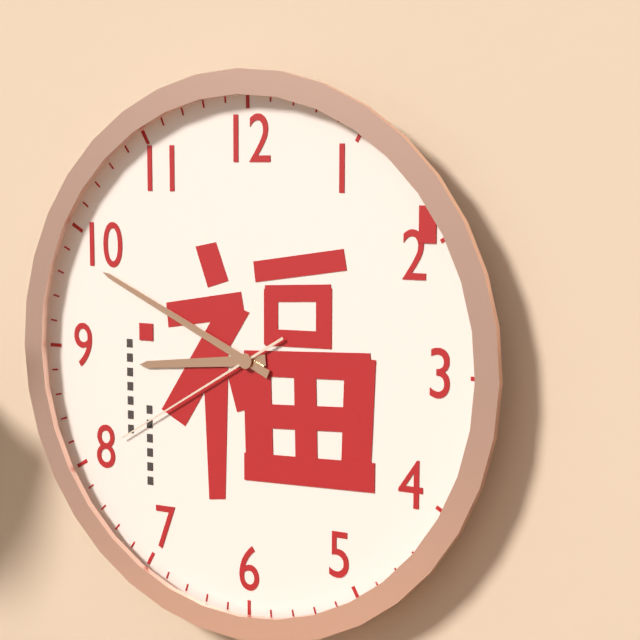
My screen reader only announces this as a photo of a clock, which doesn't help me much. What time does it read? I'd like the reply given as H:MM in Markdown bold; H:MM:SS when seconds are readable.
**8:49:40**
